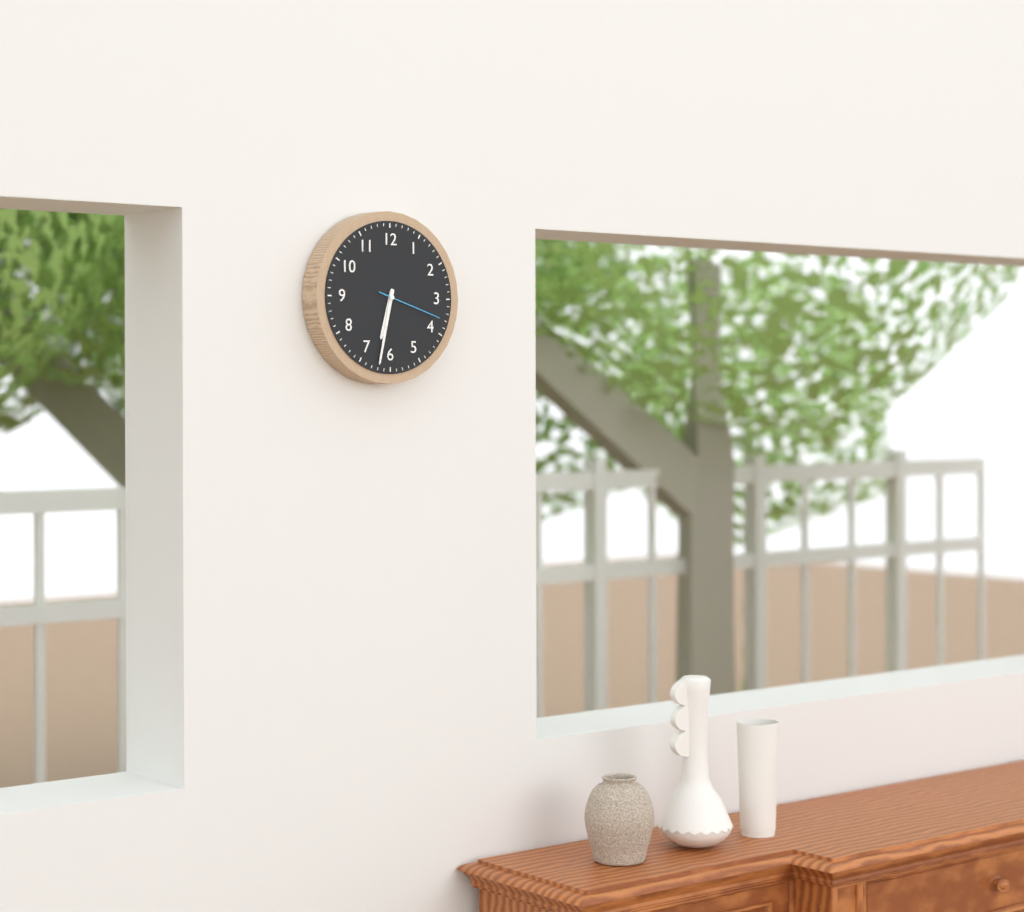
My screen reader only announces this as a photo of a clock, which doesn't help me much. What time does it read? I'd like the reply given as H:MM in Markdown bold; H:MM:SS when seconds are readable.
**6:32:18**
